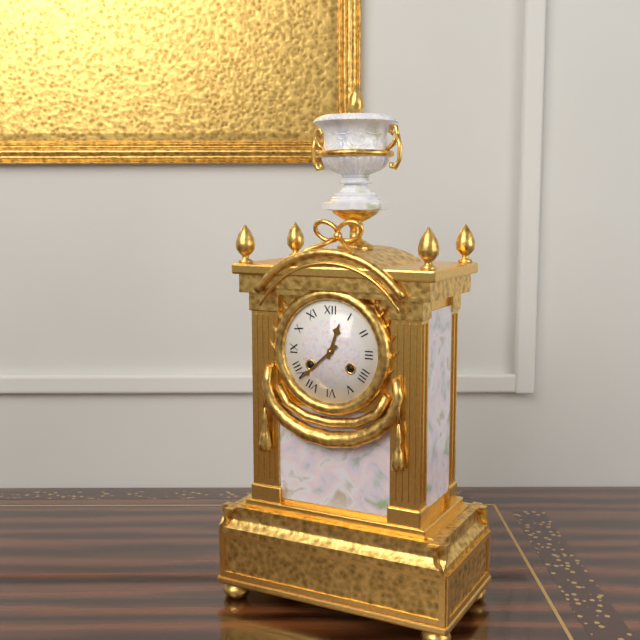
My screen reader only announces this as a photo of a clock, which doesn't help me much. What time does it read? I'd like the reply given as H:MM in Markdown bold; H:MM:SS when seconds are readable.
**12:38**
